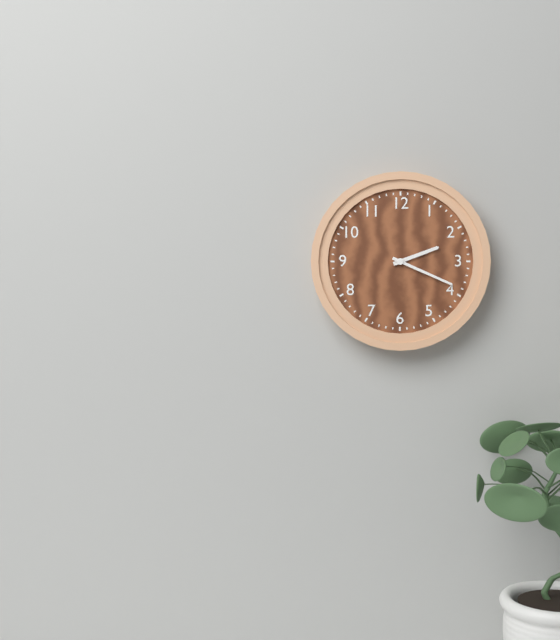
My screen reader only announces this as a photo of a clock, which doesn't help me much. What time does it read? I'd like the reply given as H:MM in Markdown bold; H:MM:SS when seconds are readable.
**2:19**
